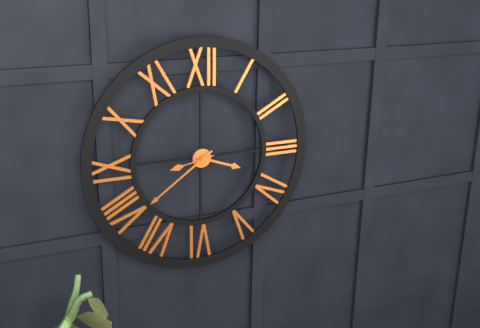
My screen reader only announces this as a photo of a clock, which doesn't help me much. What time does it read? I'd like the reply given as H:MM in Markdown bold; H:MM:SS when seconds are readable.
**3:39**
